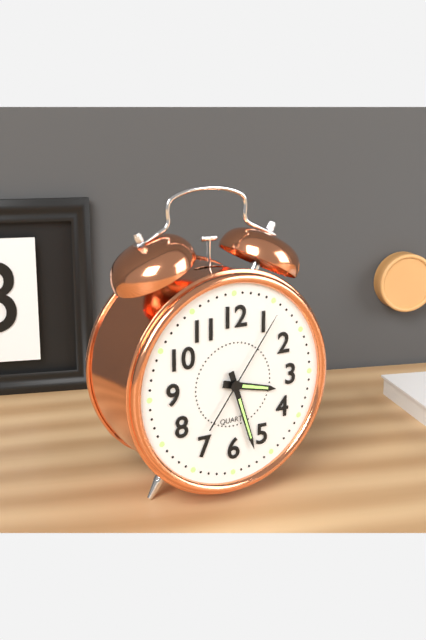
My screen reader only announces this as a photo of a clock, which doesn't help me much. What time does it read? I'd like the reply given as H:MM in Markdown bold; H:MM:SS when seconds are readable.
**3:27:06**
